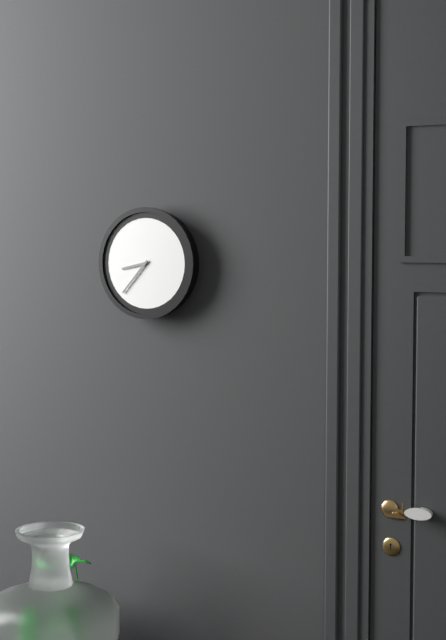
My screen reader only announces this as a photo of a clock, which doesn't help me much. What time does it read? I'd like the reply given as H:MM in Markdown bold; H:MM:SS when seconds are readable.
**8:37**
